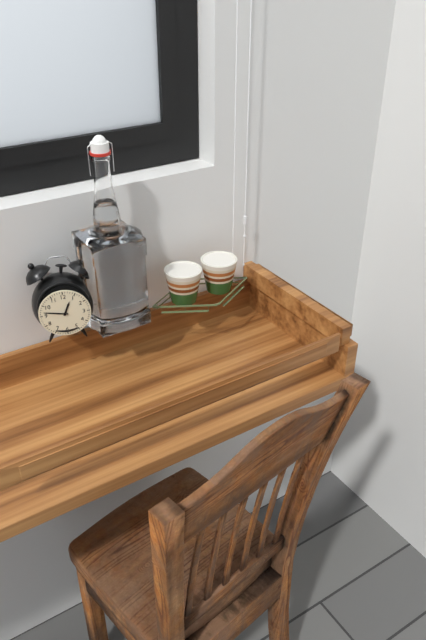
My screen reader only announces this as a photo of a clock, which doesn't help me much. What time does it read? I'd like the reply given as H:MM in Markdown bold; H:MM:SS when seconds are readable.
**12:47**
